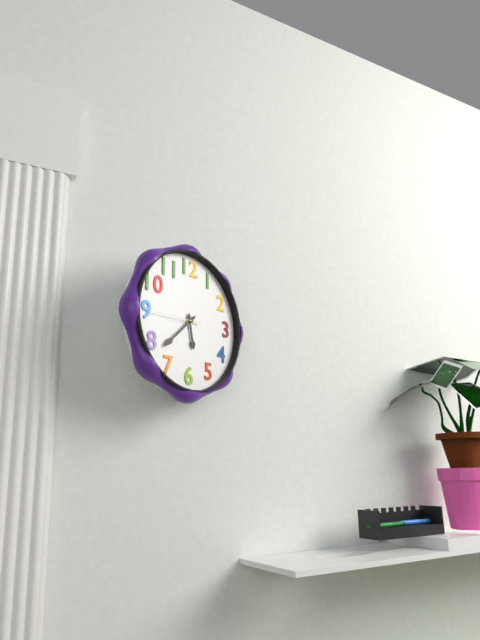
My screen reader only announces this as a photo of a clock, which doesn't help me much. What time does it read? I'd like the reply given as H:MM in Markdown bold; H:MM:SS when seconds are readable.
**5:38**
